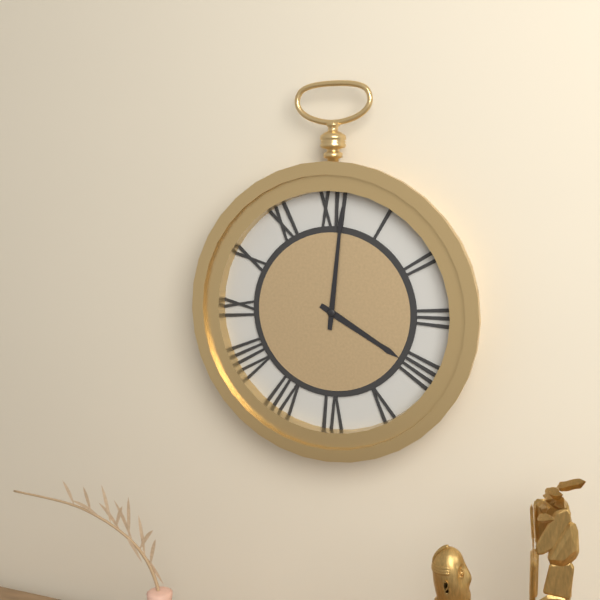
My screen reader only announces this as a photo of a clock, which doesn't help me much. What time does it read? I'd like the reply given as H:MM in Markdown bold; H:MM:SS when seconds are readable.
**4:01**
